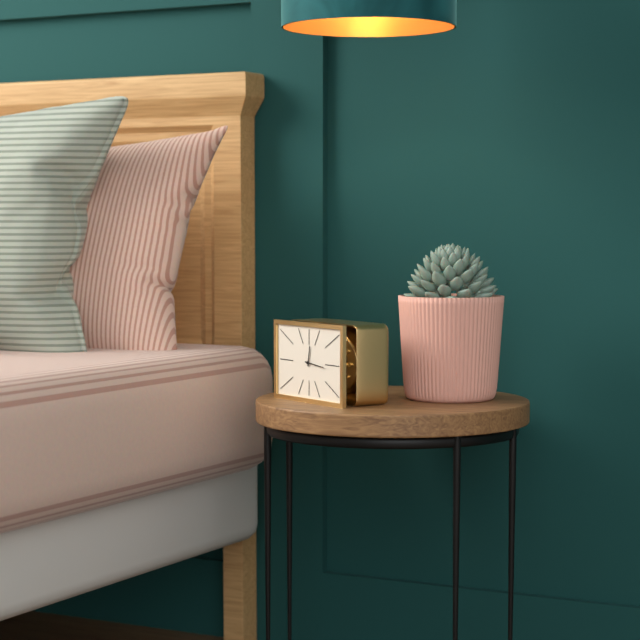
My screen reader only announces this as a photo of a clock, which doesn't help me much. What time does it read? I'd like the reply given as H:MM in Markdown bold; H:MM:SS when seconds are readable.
**12:16**
